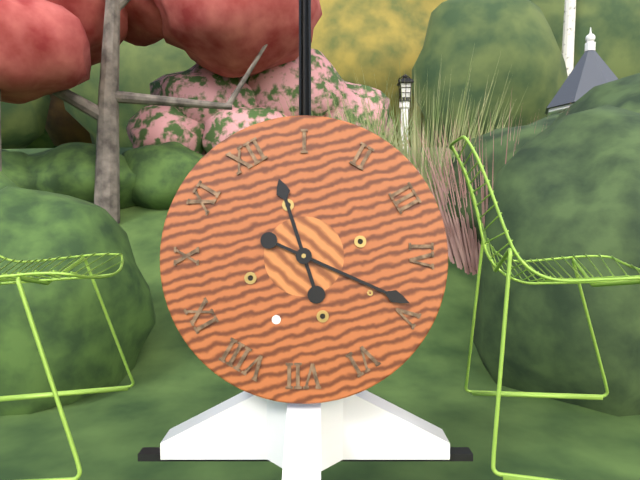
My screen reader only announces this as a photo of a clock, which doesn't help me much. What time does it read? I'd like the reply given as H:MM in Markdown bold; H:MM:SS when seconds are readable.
**12:24**
